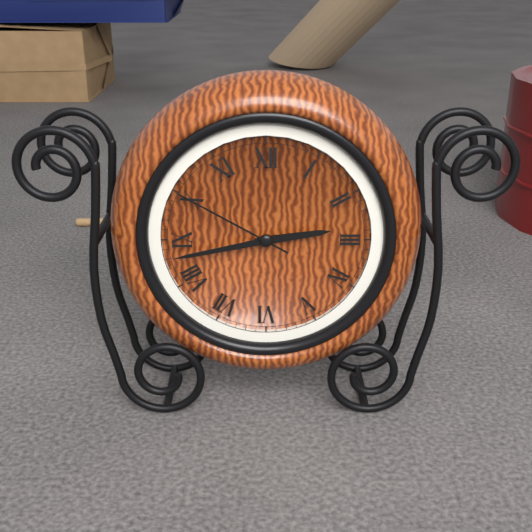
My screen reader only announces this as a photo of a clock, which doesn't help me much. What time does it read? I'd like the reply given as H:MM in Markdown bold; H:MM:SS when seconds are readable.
**2:43:50**
